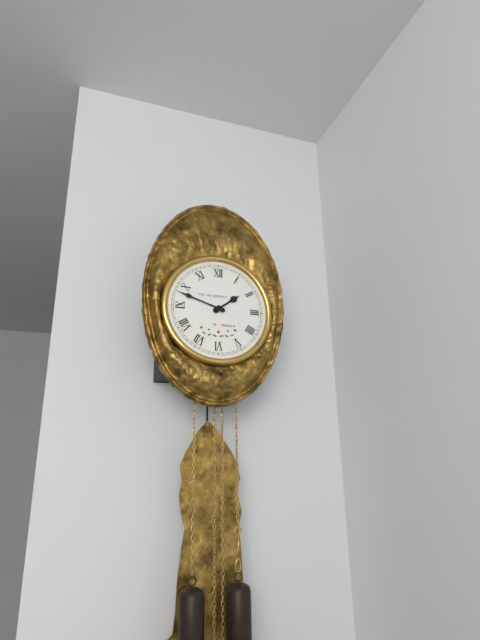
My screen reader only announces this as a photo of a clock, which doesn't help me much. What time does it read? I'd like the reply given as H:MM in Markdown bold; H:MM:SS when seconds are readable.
**1:48**
